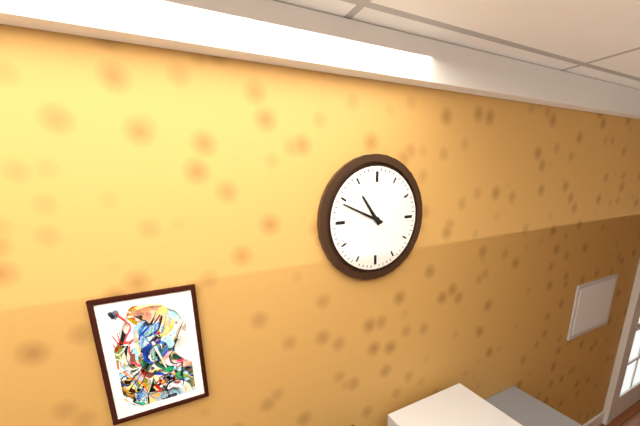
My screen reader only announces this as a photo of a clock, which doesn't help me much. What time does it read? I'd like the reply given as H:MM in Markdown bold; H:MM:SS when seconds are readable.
**10:49**
